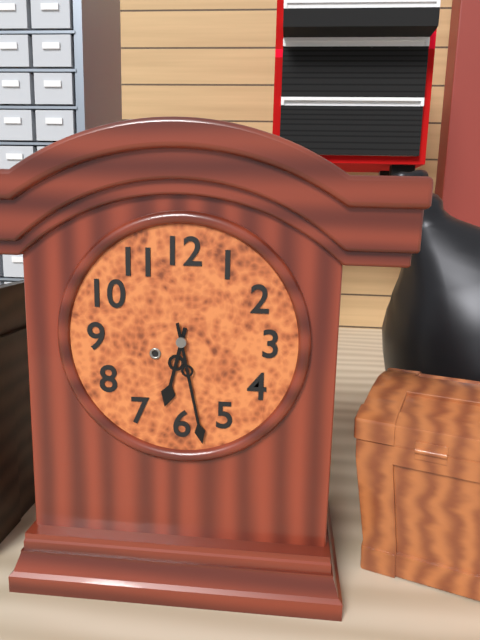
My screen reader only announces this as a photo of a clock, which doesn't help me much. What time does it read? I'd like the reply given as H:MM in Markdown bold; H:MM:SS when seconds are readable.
**6:28**
